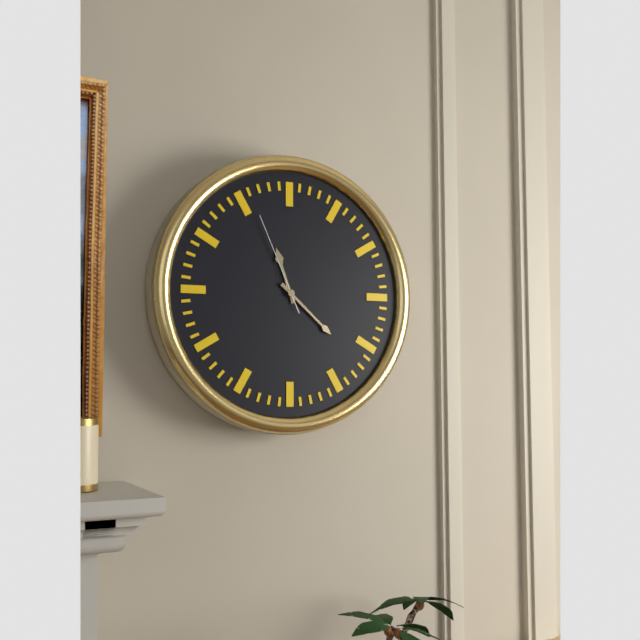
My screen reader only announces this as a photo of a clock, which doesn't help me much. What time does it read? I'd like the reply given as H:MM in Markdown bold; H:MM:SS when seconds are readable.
**11:22:56**
